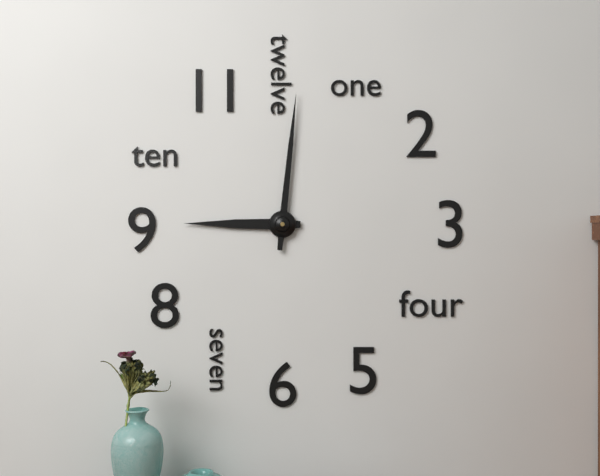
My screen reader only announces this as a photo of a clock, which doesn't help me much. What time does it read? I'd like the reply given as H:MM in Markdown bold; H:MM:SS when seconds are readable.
**9:01**
